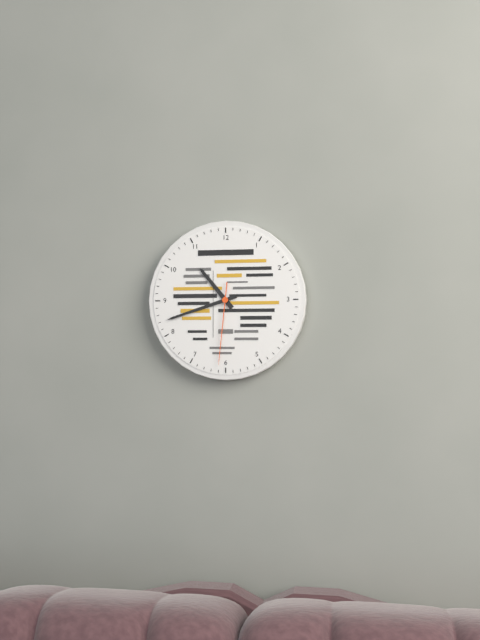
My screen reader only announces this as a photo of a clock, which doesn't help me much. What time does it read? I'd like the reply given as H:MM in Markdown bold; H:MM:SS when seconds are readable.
**10:42:31**
